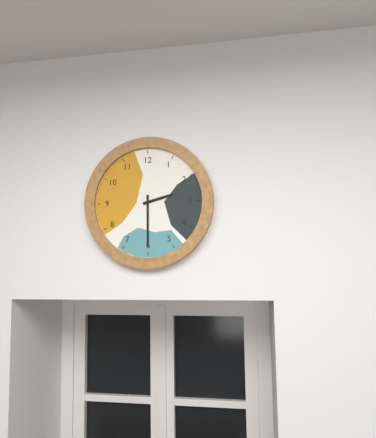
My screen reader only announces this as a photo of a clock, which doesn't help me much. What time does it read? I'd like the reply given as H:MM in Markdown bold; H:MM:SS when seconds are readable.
**2:30**
